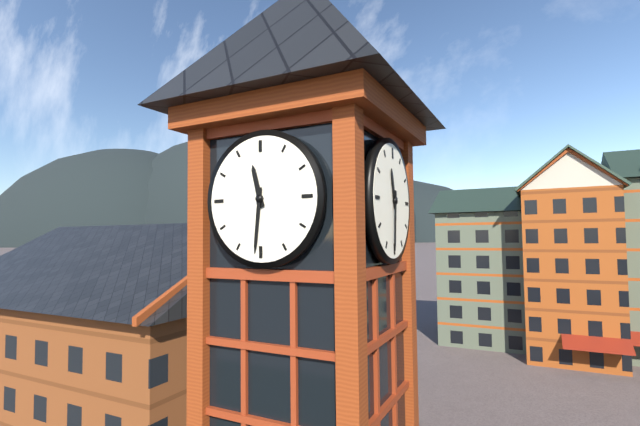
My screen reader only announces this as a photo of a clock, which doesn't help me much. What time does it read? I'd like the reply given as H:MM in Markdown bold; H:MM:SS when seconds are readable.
**11:31**
